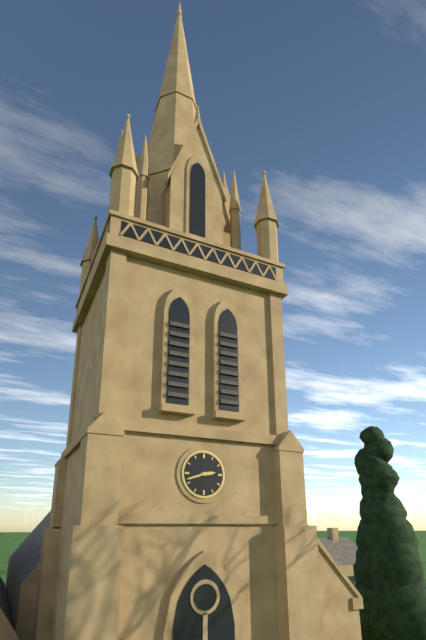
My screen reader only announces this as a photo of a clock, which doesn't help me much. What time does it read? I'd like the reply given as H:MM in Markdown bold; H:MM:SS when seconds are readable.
**2:42**
